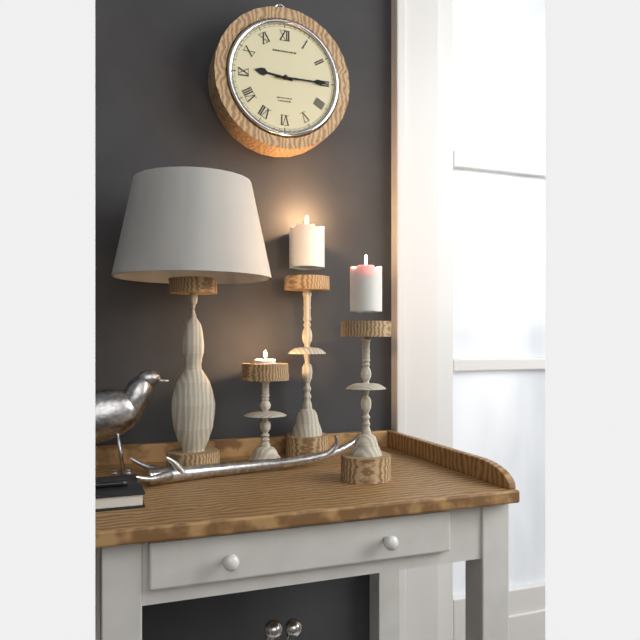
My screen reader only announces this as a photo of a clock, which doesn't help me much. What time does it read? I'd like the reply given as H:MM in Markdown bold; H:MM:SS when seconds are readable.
**9:15**
